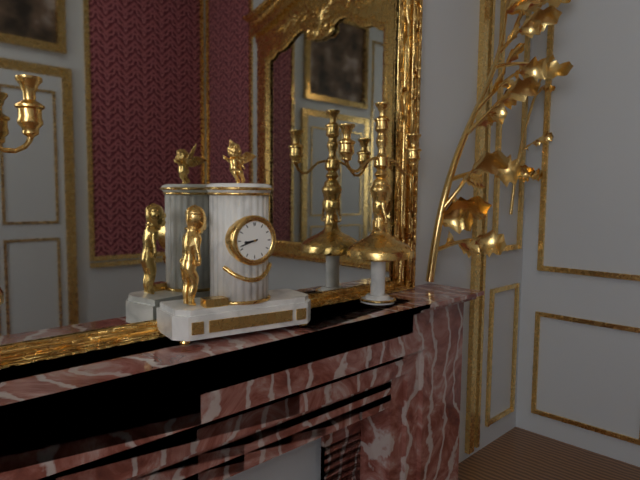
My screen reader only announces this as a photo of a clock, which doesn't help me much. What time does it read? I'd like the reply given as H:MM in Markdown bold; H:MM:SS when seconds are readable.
**8:42**
